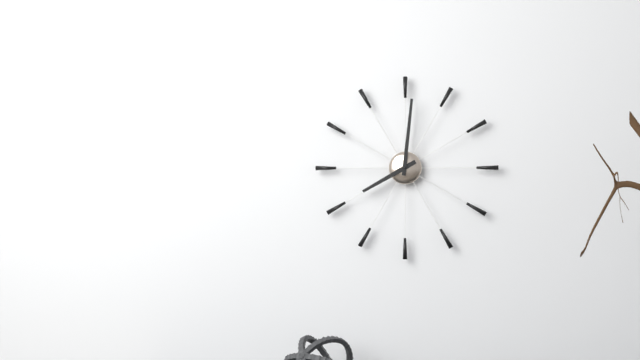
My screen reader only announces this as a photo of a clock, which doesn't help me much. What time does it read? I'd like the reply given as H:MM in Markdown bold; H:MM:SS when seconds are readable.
**8:01**
